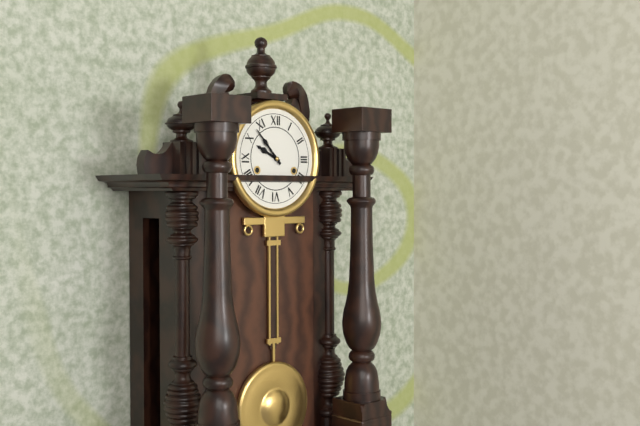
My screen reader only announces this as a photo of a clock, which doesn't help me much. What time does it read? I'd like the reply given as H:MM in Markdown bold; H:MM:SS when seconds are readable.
**9:53**
